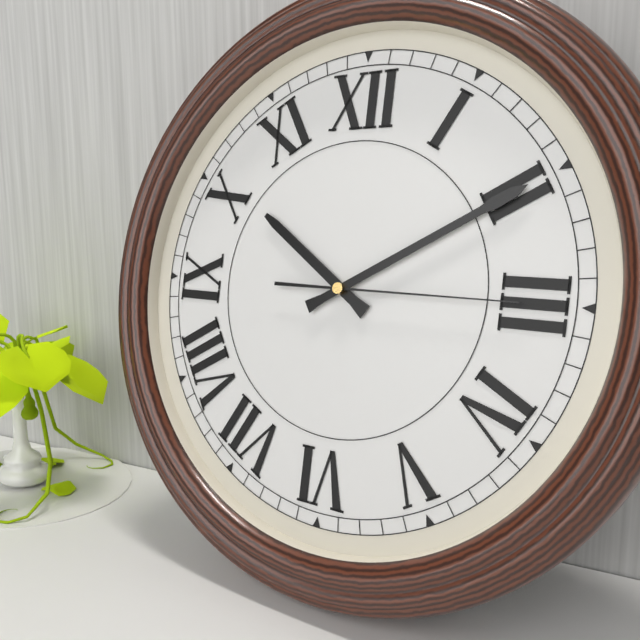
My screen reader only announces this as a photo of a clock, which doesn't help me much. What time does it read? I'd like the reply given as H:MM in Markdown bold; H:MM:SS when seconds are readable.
**10:10:15**
